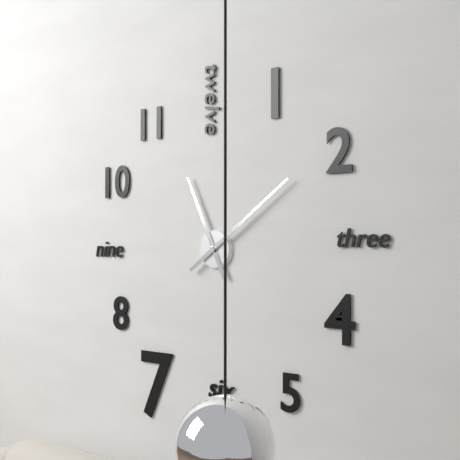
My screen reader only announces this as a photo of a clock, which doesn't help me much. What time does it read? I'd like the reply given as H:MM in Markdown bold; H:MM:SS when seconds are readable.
**11:09**
